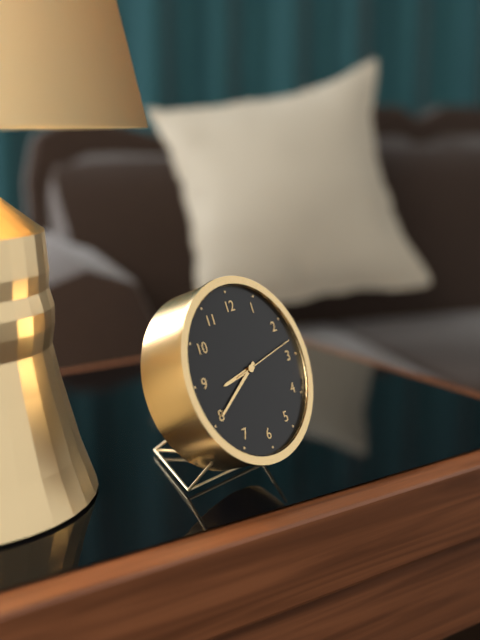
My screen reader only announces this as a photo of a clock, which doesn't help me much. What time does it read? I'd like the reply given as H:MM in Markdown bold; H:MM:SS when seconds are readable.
**8:40:13**
